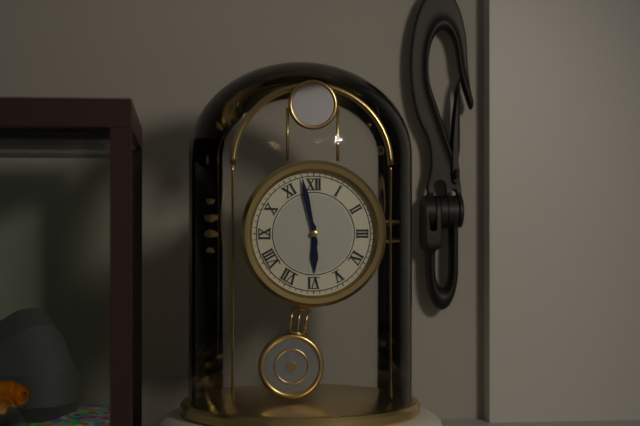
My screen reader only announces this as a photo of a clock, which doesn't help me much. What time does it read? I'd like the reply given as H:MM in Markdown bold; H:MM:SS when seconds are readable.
**5:58**
